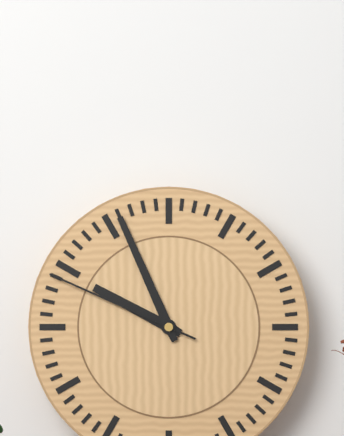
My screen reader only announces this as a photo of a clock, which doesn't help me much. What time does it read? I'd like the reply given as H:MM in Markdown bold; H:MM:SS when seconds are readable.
**9:56:49**
